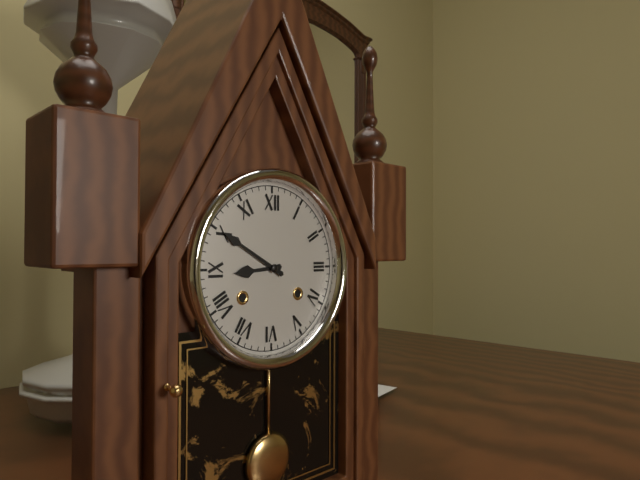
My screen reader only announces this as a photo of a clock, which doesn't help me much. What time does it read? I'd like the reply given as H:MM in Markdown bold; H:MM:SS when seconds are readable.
**8:50**
